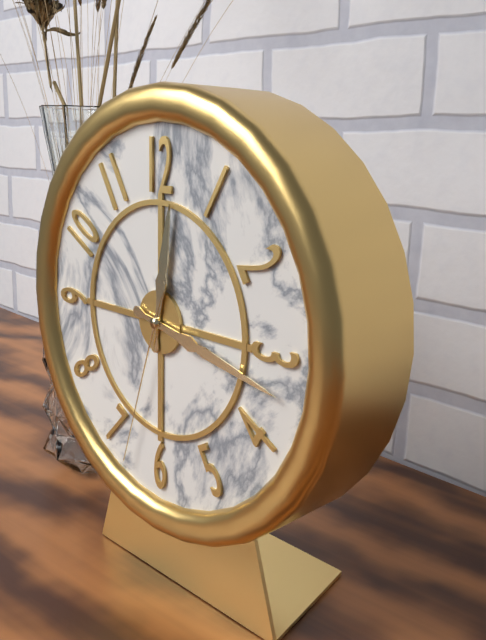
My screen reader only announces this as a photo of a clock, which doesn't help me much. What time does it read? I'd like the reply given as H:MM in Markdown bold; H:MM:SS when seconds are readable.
**12:17:33**
